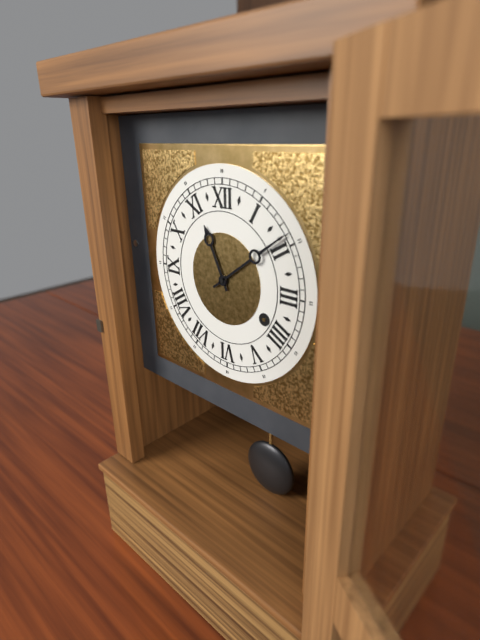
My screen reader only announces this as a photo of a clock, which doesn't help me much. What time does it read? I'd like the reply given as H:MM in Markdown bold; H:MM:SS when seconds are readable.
**11:09**
